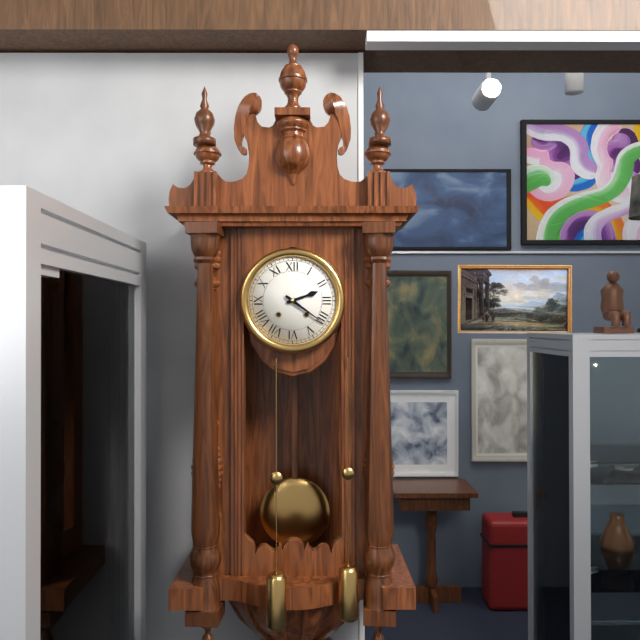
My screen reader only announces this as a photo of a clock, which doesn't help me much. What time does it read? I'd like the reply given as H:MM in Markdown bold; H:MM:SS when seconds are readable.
**2:21**
